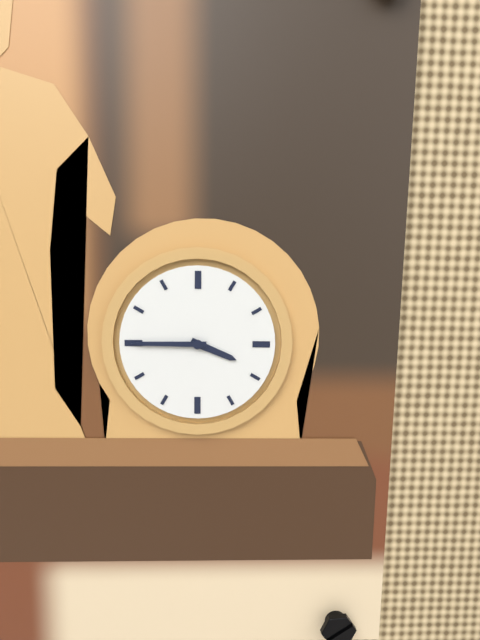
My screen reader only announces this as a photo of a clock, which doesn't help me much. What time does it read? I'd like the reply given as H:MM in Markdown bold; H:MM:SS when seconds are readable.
**3:45**
